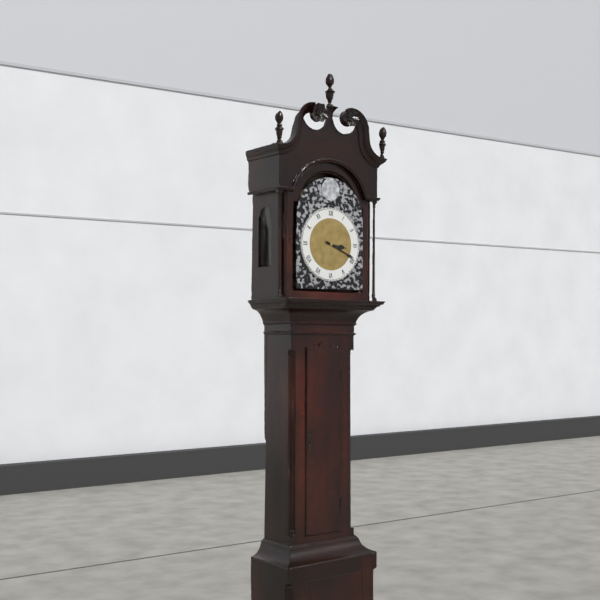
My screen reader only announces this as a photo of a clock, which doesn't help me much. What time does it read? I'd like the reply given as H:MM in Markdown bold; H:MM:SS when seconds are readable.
**3:19**
